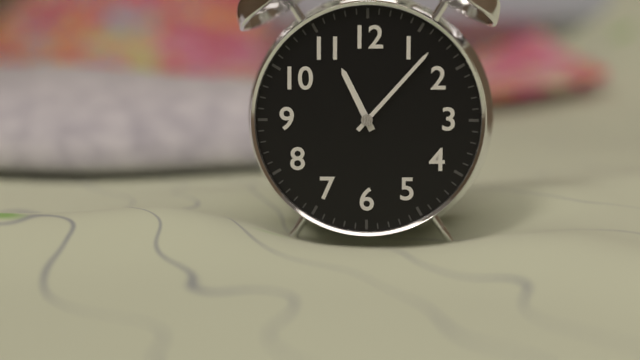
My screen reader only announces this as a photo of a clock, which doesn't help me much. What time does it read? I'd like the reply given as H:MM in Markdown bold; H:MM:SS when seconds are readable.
**11:07**
